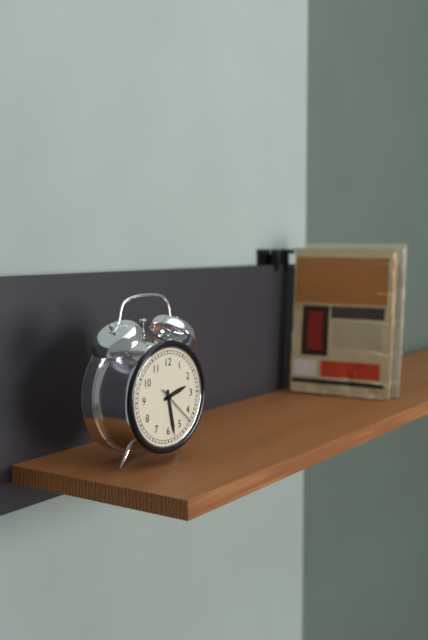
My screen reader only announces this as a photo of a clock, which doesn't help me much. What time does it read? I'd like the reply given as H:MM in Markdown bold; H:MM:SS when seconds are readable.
**2:28**
